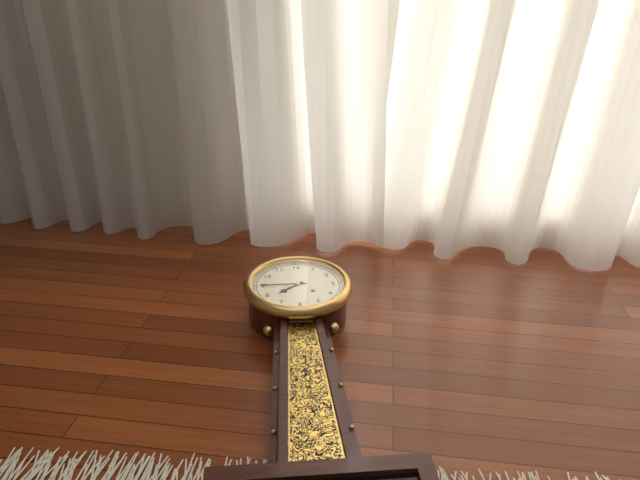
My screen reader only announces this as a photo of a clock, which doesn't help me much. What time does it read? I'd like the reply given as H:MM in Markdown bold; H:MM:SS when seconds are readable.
**7:45**
